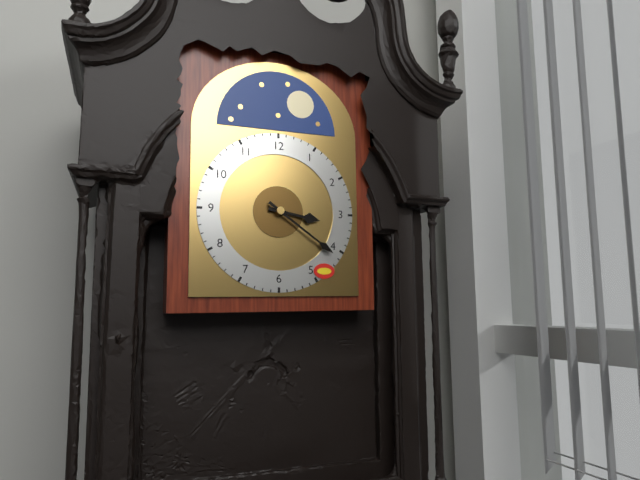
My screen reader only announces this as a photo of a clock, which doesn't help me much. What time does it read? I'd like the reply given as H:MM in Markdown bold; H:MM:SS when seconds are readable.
**3:21**
